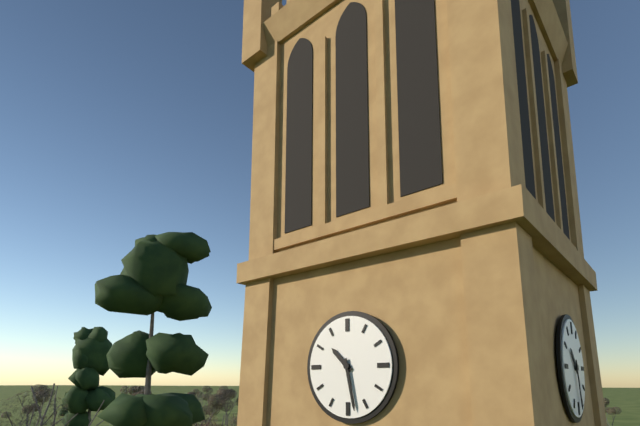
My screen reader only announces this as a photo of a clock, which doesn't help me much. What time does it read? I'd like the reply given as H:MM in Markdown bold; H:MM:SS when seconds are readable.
**10:28**
